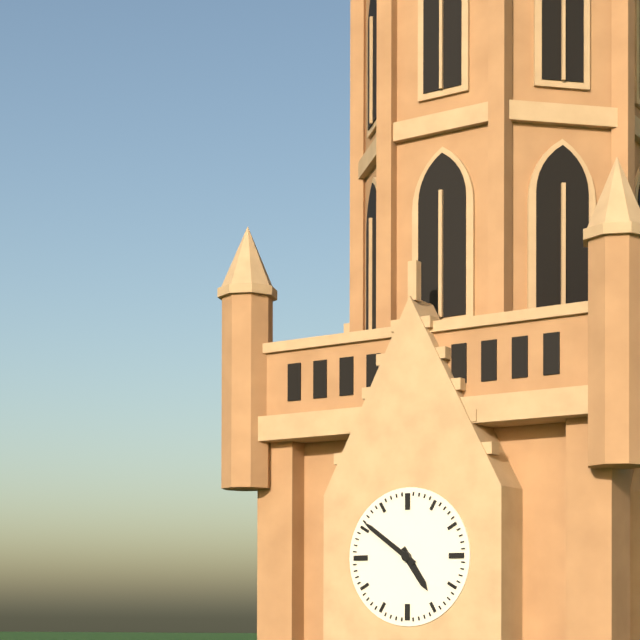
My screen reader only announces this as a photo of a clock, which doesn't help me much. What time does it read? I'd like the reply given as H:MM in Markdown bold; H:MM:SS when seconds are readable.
**4:51**
